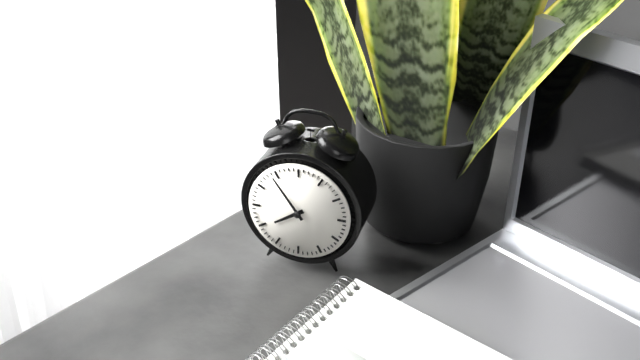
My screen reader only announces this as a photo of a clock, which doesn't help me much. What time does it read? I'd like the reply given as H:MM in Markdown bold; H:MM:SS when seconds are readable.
**7:54**
